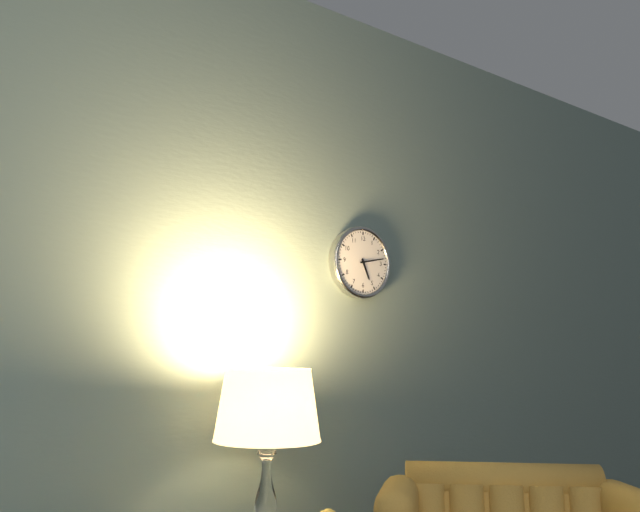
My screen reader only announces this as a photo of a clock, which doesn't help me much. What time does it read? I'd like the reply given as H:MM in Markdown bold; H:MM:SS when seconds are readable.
**5:13**
